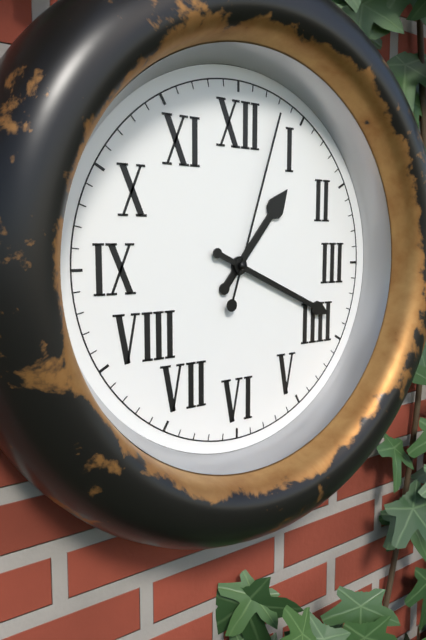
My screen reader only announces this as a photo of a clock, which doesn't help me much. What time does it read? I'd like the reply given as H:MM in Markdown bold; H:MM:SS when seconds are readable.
**1:19:03**
